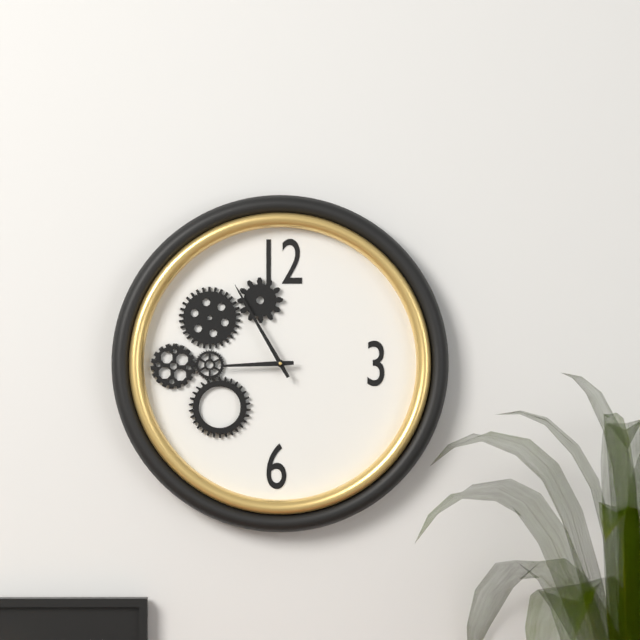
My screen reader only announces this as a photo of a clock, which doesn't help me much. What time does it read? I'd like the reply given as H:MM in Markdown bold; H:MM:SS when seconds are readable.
**8:55**
